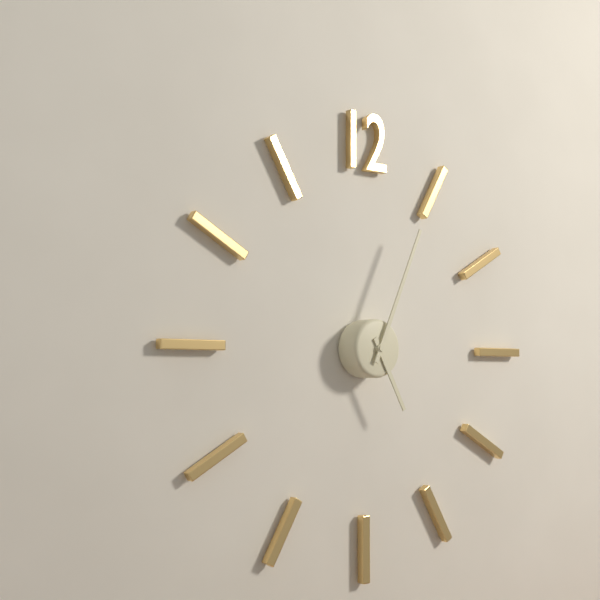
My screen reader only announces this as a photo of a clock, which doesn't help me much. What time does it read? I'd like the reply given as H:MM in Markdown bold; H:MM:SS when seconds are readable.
**5:04**
